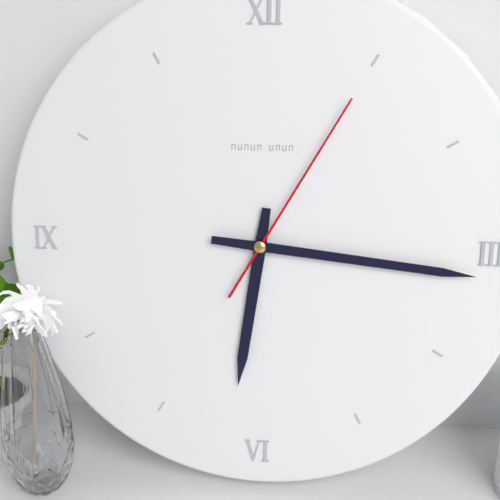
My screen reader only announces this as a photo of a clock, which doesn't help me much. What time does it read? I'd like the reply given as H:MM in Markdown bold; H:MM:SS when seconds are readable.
**6:16:05**
